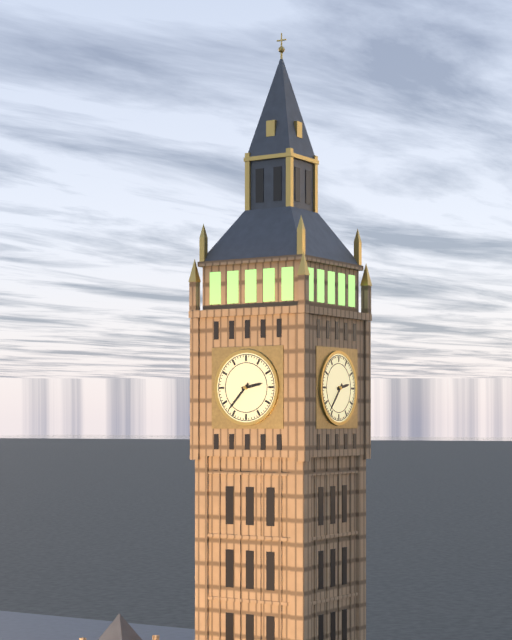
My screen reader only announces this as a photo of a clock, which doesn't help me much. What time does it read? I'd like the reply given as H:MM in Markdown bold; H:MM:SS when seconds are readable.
**2:37**
